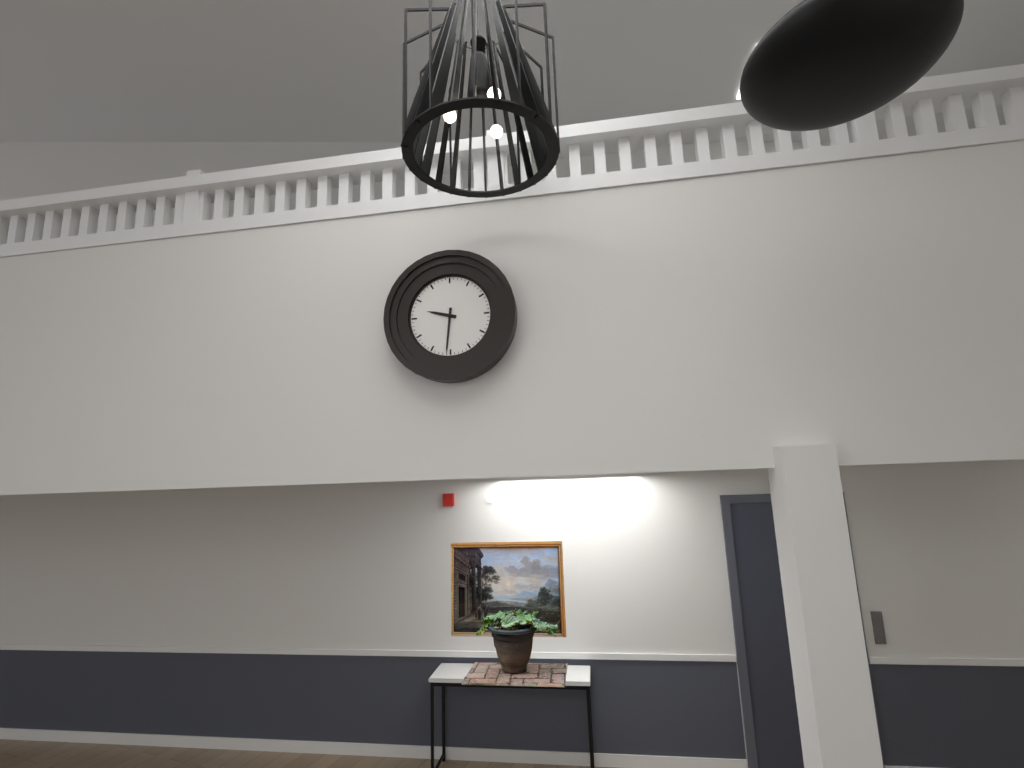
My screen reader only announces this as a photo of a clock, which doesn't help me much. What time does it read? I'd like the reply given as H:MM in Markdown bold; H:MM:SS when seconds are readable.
**9:31**
